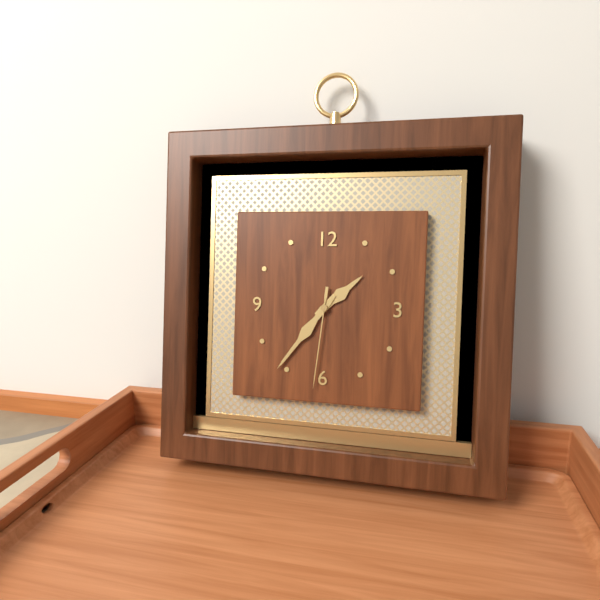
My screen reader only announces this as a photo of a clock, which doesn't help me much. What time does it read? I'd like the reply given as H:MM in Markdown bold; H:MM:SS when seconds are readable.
**1:36:31**
